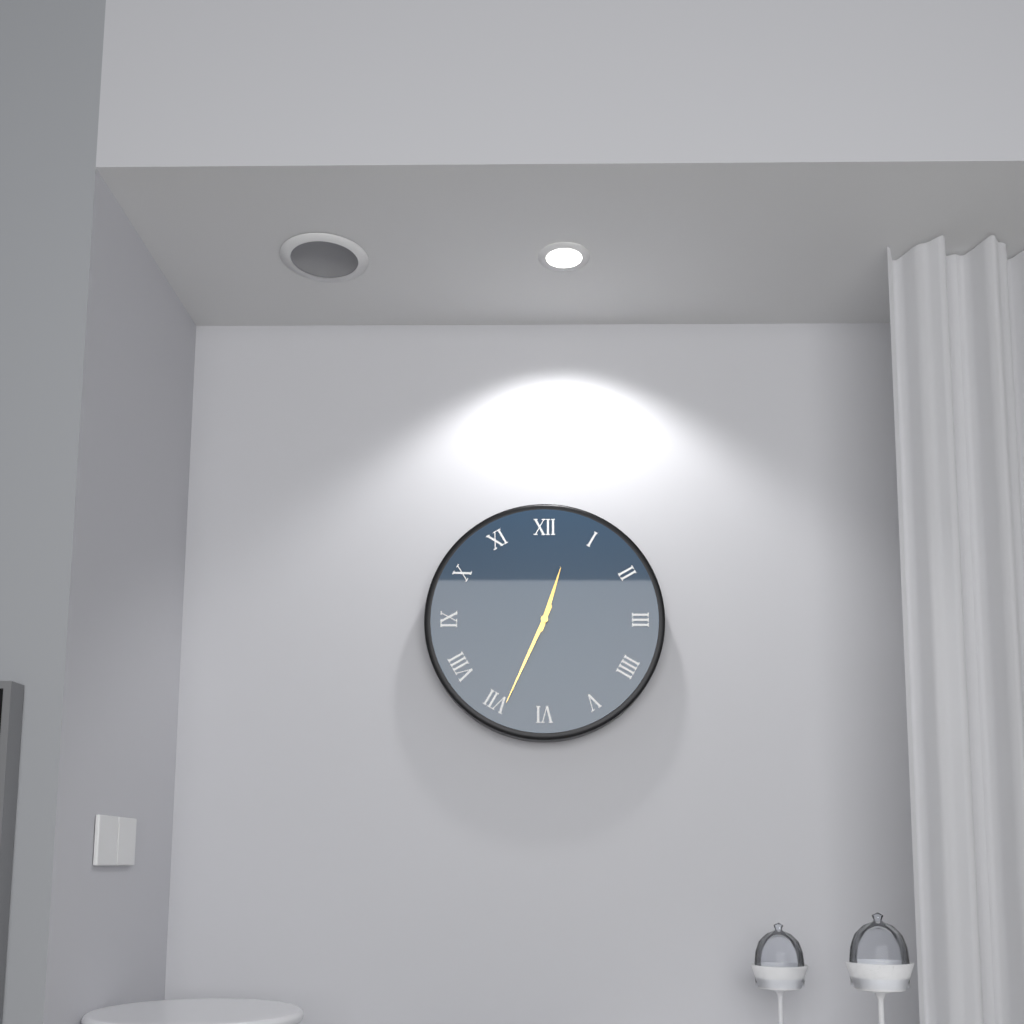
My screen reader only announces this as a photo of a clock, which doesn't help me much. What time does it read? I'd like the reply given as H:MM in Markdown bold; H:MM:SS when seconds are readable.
**12:34**
